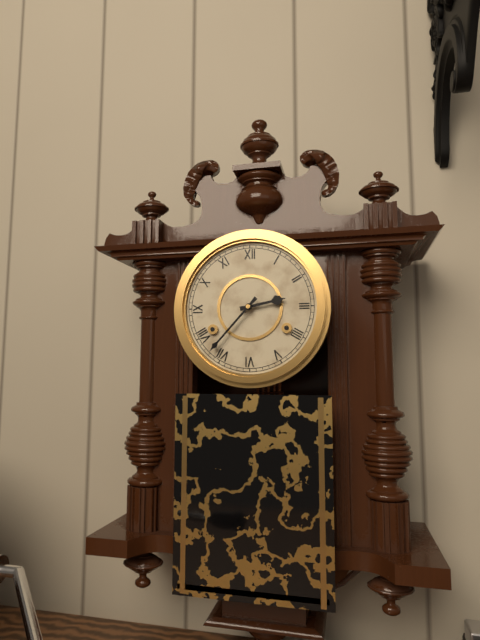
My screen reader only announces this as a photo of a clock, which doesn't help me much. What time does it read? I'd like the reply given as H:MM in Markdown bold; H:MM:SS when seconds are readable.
**2:37**
